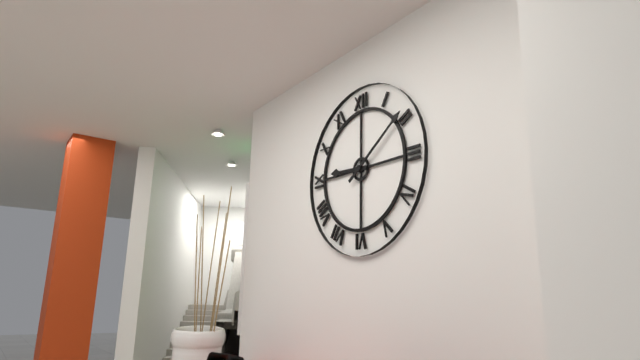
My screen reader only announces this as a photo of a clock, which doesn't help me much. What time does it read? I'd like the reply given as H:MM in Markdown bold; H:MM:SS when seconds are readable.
**9:09**
